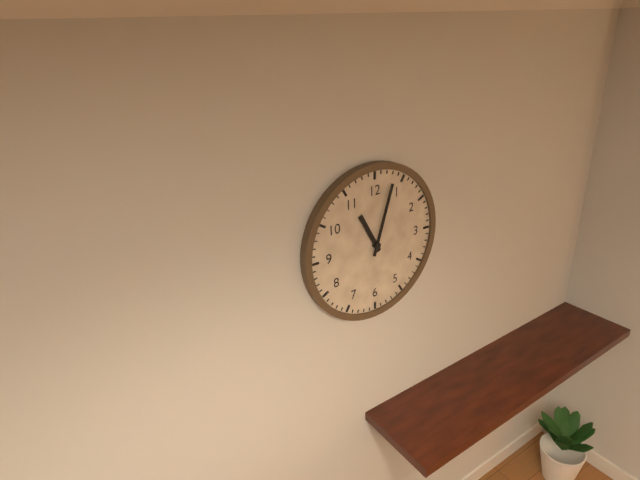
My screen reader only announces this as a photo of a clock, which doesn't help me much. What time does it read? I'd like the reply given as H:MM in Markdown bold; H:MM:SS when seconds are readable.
**11:03**
